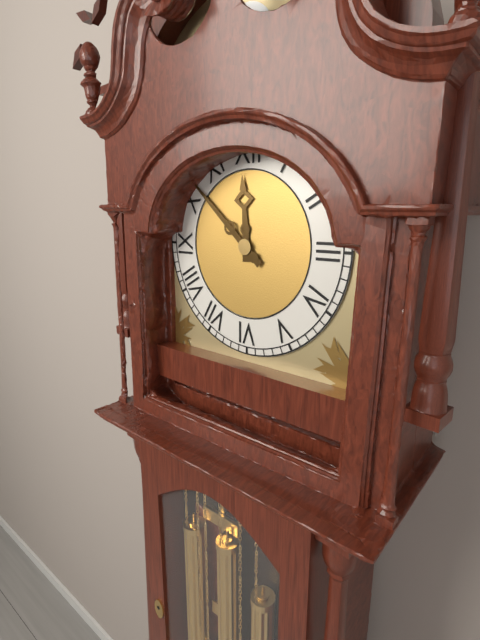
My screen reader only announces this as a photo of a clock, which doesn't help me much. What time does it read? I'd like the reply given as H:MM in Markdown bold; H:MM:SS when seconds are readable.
**11:52**
